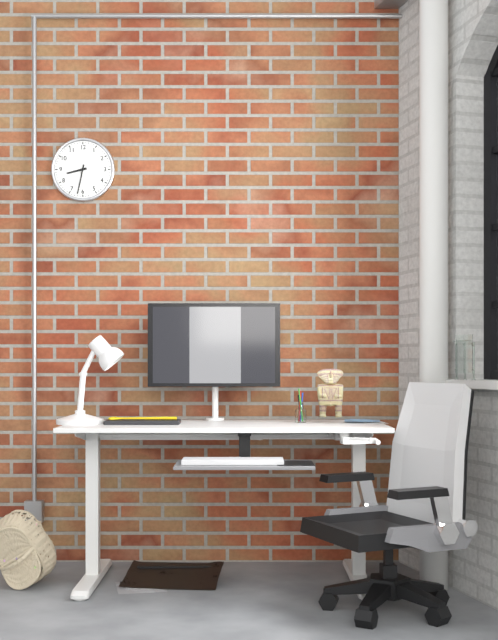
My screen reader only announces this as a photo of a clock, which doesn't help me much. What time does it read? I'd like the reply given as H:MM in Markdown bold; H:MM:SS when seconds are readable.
**8:32**
